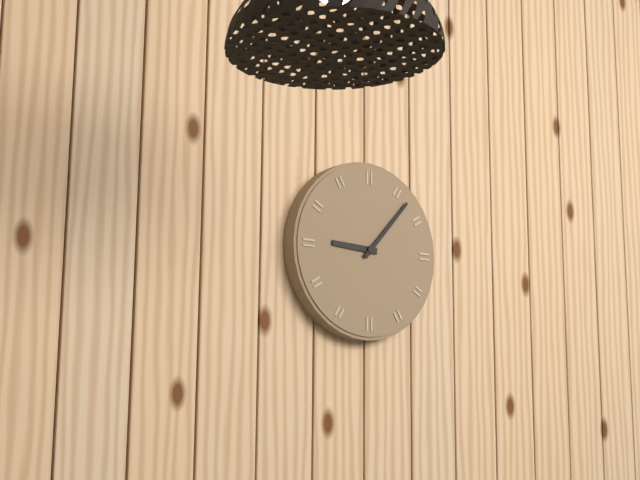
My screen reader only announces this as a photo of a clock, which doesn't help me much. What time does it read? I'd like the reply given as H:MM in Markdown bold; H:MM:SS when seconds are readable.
**9:07**
